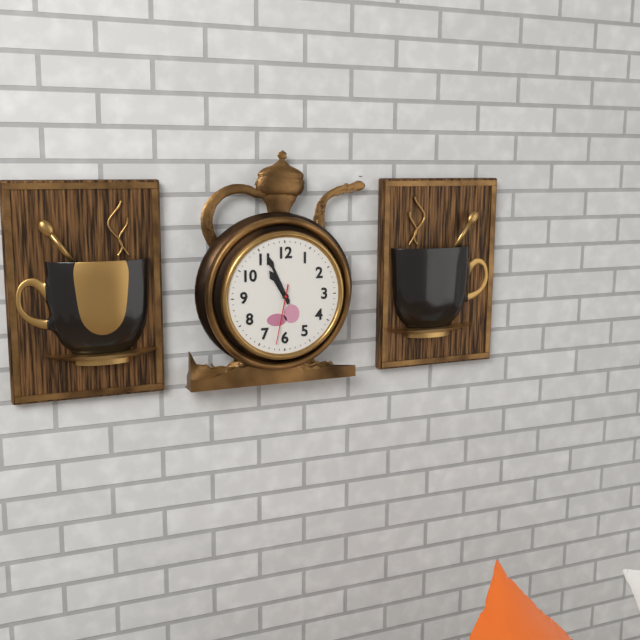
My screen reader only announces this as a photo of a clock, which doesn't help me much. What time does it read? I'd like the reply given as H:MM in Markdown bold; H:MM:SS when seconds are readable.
**10:56:32**
